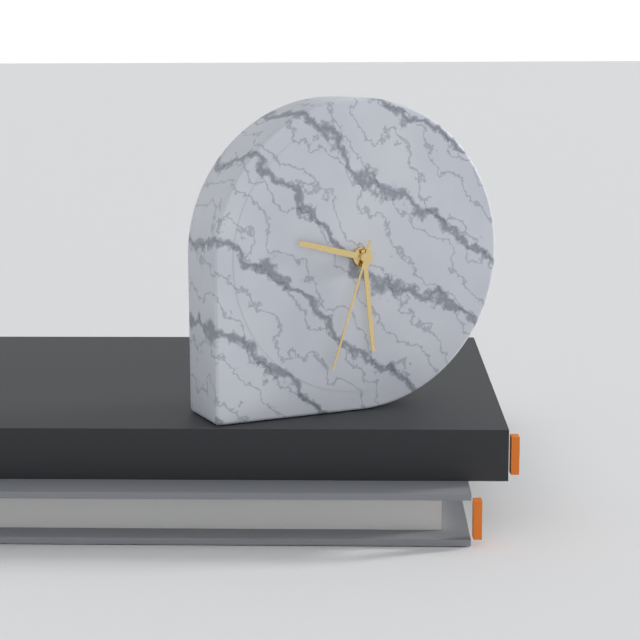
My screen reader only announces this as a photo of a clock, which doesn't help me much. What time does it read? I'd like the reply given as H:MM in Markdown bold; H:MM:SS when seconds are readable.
**9:29:33**
